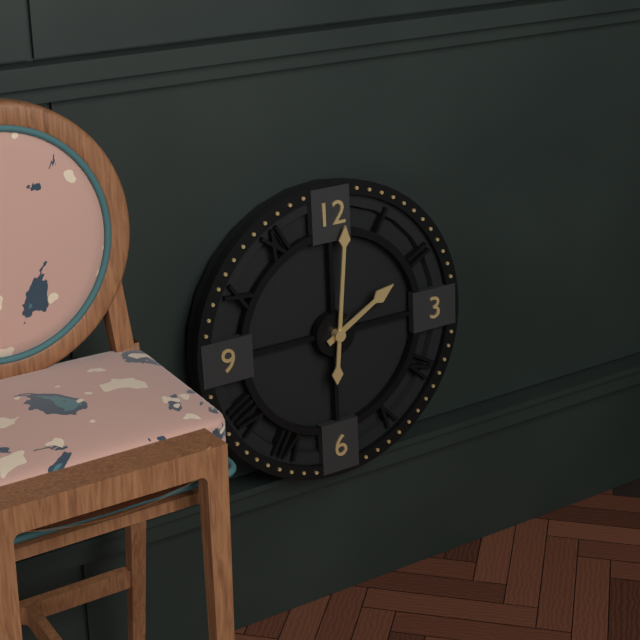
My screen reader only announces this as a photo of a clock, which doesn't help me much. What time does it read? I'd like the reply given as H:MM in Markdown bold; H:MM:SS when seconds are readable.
**2:01**
